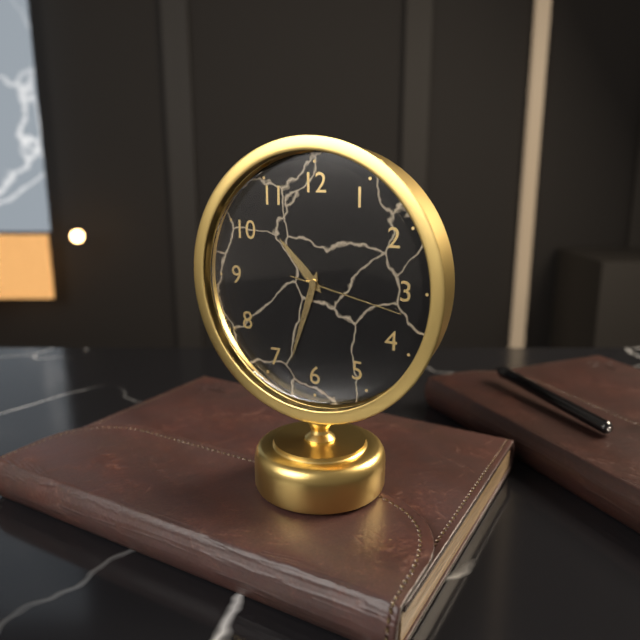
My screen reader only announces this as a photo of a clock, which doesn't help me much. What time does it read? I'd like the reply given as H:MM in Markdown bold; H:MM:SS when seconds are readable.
**10:33:17**
